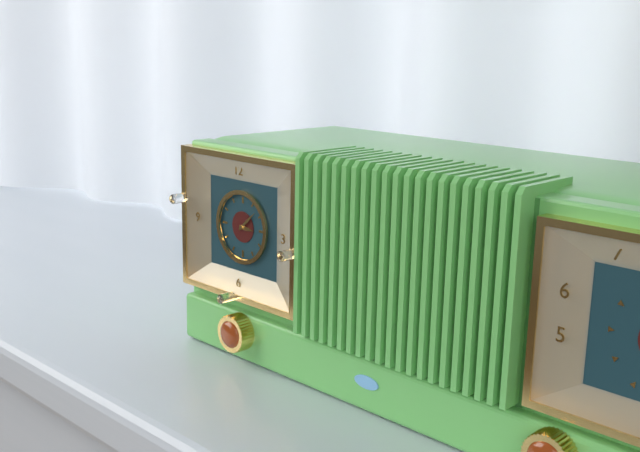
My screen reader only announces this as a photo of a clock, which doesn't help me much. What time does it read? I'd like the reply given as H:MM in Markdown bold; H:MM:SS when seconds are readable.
**3:08**
